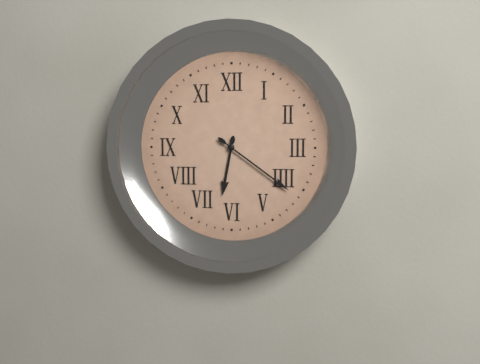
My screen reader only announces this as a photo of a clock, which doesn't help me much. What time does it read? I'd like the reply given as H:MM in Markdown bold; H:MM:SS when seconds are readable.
**6:21**
